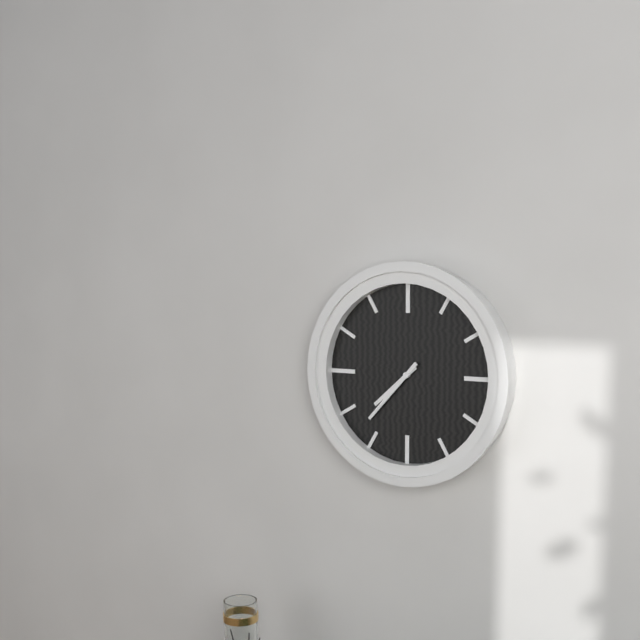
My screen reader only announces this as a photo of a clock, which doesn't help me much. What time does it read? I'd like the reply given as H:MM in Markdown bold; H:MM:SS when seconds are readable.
**7:37**
